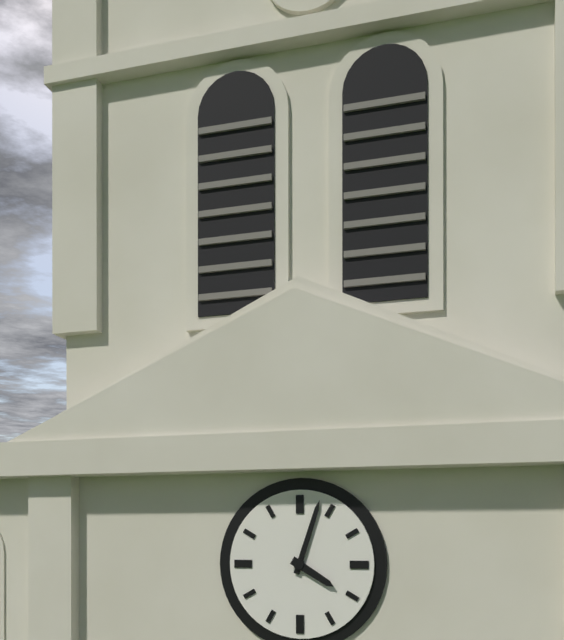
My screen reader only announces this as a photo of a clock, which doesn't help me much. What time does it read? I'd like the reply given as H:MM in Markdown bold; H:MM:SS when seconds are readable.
**4:03**
